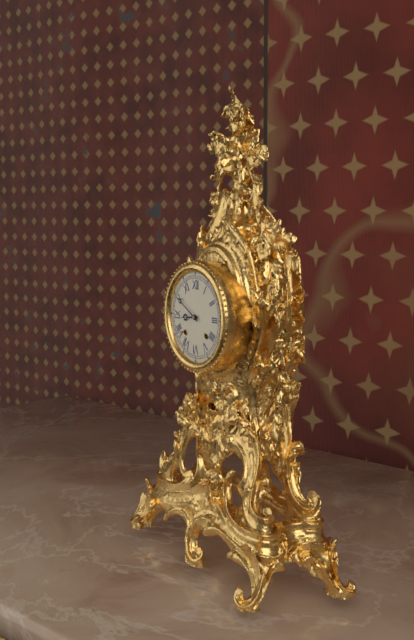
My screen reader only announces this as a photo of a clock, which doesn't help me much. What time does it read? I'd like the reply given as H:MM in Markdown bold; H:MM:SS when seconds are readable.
**8:50**
